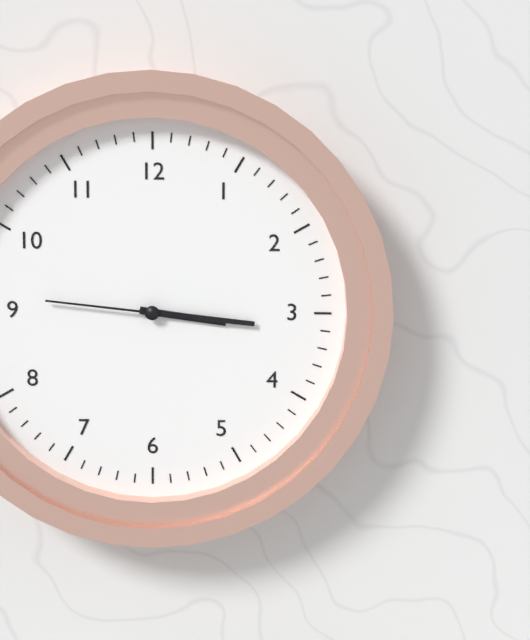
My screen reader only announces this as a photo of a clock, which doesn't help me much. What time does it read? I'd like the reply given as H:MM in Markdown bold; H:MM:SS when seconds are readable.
**3:16:46**
